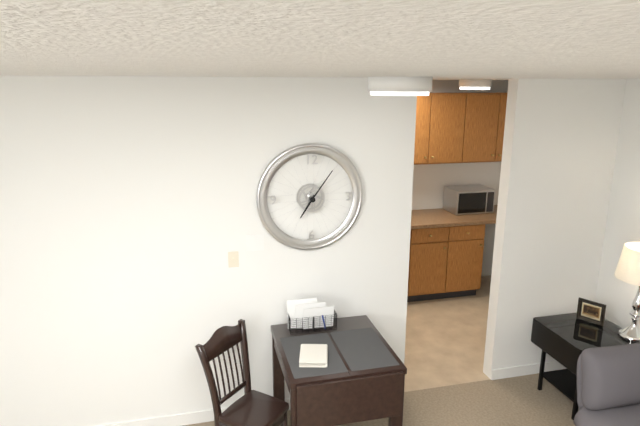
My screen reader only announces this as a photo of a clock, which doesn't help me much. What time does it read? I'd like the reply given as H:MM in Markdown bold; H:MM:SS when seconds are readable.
**7:06**
